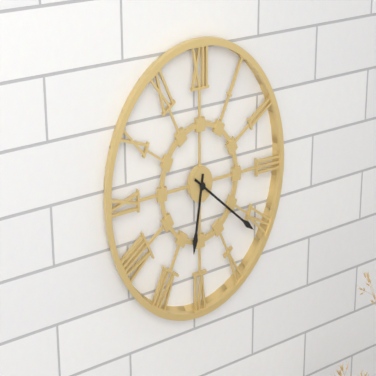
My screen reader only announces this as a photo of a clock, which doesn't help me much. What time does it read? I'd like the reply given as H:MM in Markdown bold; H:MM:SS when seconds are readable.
**6:21**
